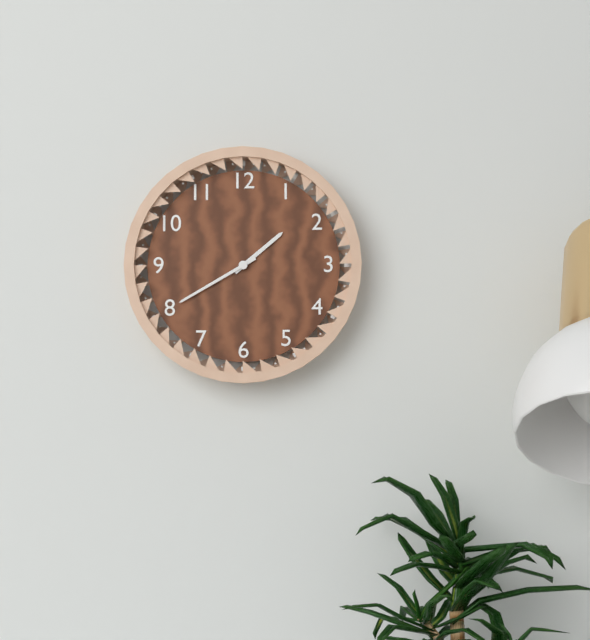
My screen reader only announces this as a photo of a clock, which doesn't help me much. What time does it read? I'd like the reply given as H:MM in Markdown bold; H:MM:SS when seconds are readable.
**1:40**
